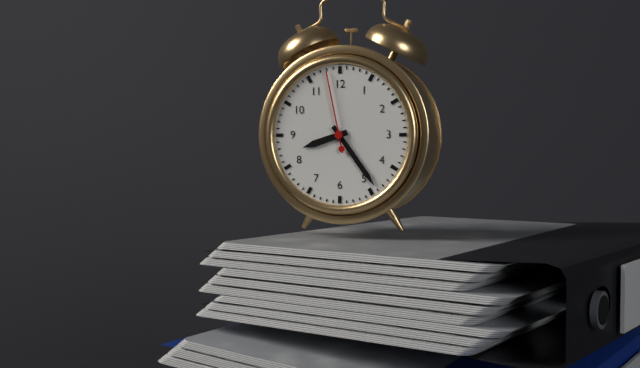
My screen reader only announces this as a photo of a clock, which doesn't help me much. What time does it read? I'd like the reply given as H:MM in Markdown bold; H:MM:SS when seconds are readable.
**8:24:58**
